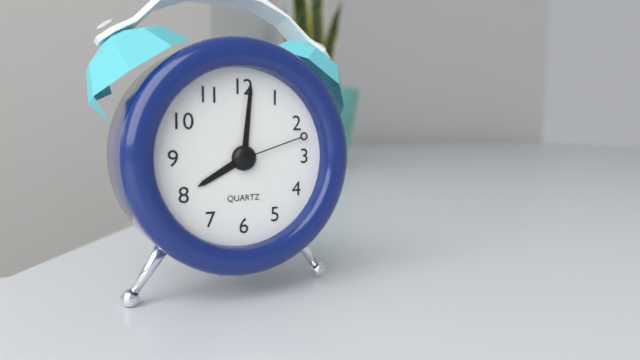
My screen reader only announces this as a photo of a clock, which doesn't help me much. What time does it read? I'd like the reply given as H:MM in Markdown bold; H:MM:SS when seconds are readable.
**8:01:12**
